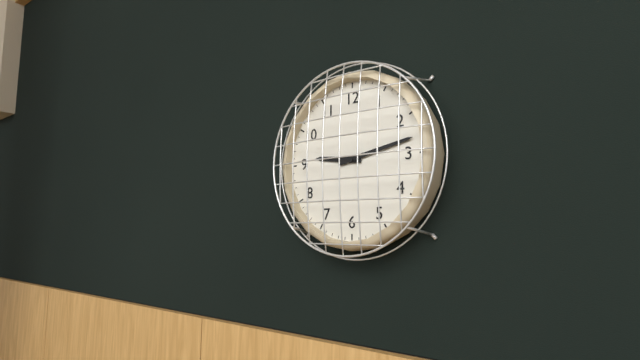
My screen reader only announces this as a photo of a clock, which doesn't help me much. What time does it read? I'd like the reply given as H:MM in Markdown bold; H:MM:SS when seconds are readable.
**9:13**
